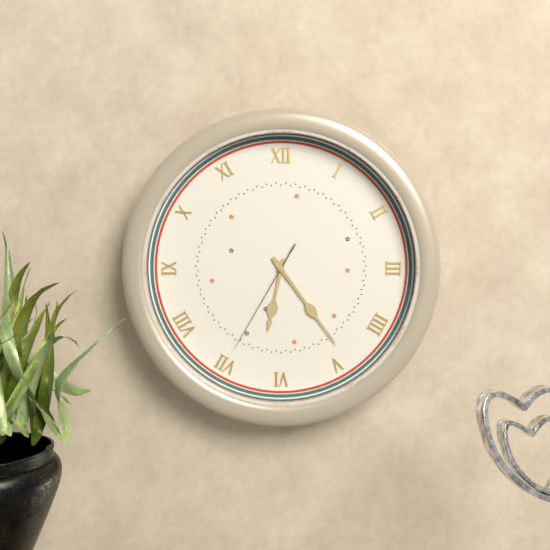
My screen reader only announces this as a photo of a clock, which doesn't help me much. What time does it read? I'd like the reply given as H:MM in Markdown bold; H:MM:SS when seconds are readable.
**6:24:35**
